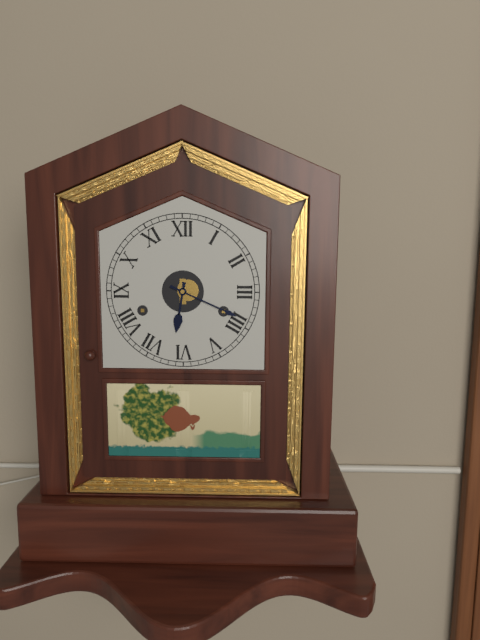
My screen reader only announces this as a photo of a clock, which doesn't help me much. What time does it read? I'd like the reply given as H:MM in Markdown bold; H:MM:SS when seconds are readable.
**6:19**
